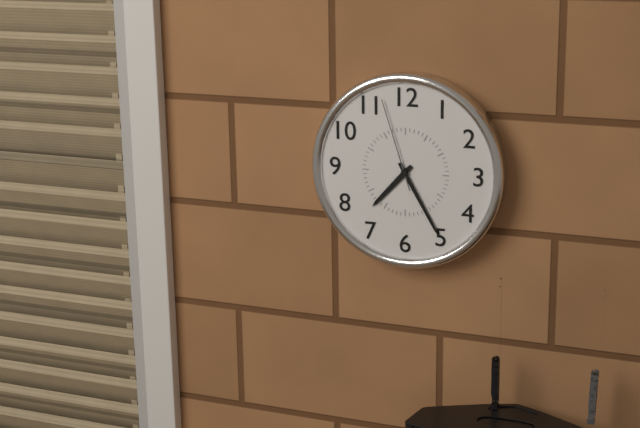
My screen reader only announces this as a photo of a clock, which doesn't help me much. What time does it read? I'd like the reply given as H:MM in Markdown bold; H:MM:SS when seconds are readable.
**7:25:57**
